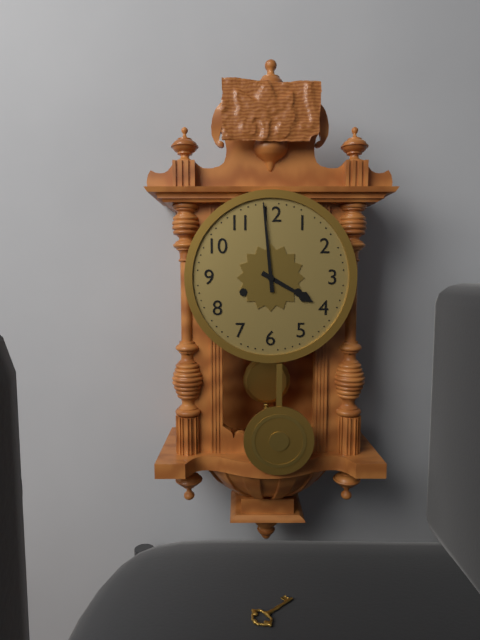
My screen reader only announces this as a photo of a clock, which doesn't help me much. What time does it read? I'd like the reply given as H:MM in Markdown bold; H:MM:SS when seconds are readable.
**3:59**
